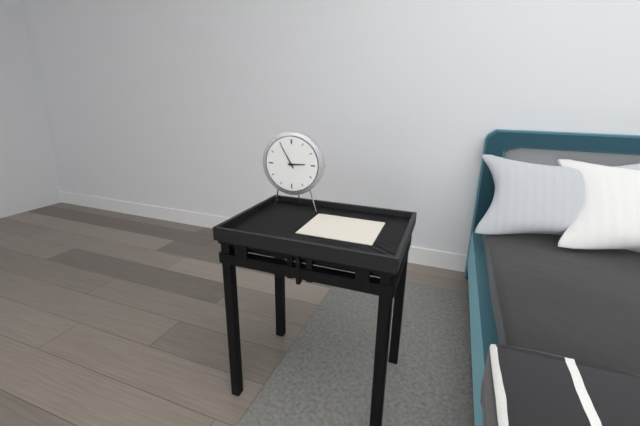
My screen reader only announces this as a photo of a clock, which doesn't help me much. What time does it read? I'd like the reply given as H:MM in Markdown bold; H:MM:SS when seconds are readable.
**2:55**
